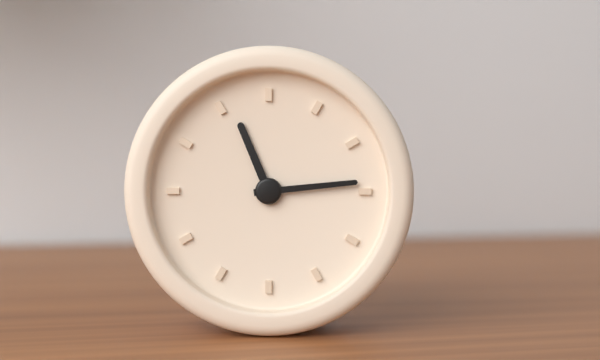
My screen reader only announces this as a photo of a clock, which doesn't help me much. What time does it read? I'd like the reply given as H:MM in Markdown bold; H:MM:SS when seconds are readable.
**11:14**
